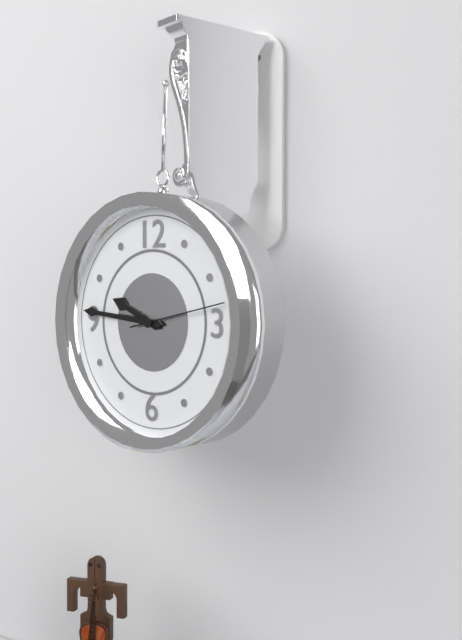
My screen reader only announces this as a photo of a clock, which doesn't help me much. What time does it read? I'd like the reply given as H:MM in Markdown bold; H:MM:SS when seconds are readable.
**9:46:13**
